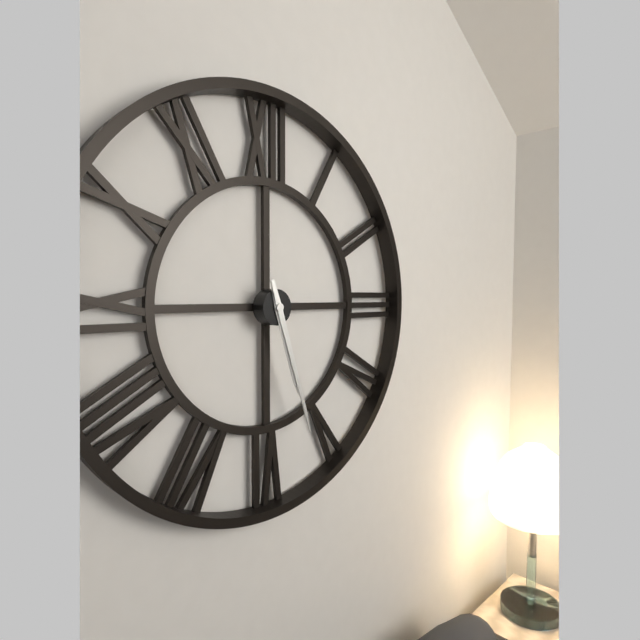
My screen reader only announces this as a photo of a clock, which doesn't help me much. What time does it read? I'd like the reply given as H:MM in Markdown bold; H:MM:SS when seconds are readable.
**5:27**
